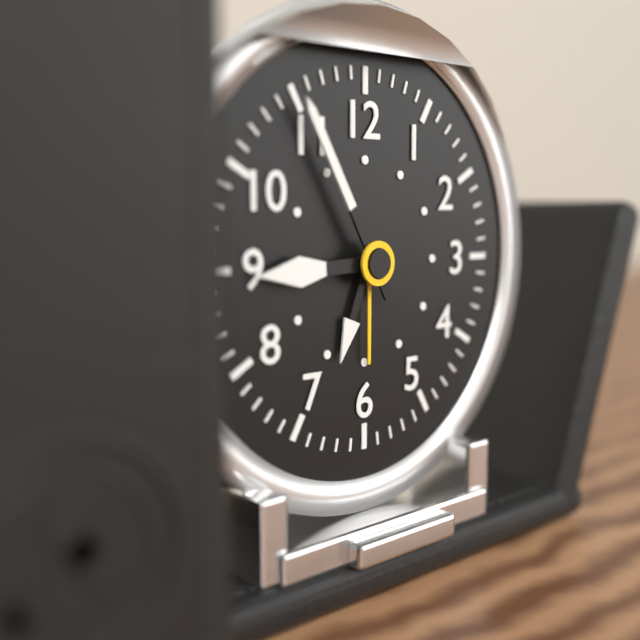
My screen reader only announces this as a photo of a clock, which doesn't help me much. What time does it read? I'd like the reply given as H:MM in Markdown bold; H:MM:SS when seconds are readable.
**8:55**
